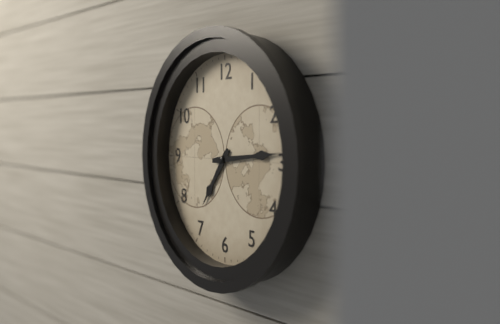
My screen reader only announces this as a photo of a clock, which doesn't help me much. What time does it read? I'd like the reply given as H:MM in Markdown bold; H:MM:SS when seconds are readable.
**7:14**
